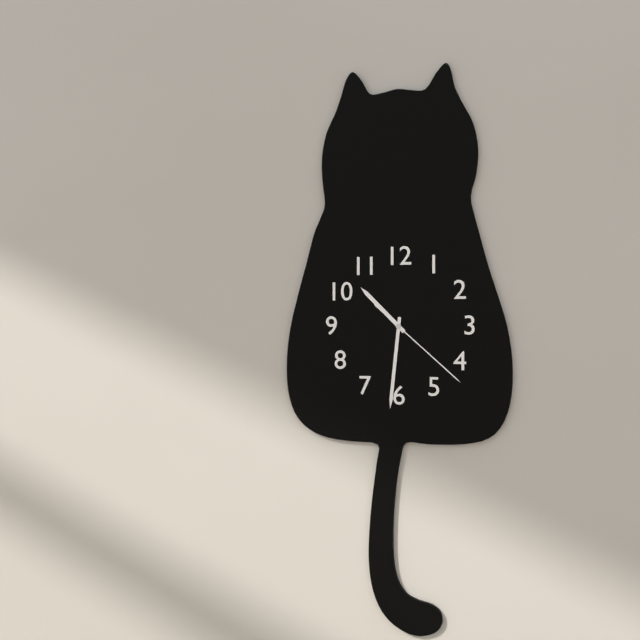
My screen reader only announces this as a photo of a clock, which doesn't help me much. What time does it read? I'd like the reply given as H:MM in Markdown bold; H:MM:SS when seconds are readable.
**10:31:22**
